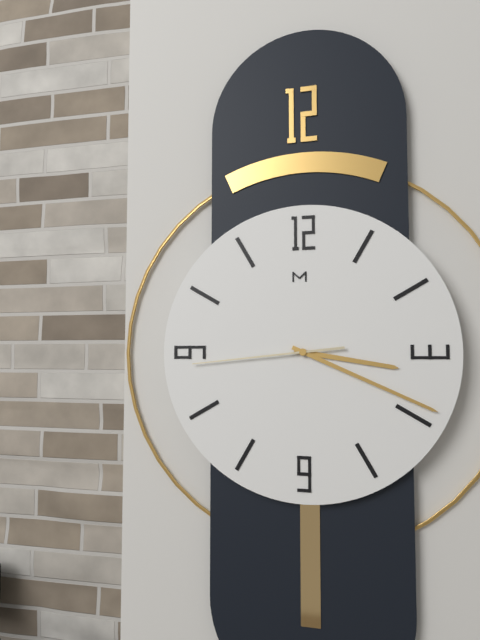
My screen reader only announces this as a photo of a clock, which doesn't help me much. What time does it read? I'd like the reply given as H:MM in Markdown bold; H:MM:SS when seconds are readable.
**3:19:44**
